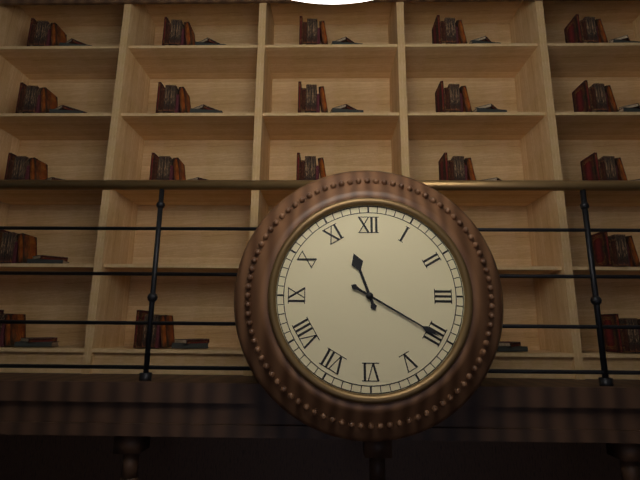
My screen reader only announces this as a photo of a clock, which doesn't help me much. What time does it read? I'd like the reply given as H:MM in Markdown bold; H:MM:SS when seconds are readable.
**11:20**
